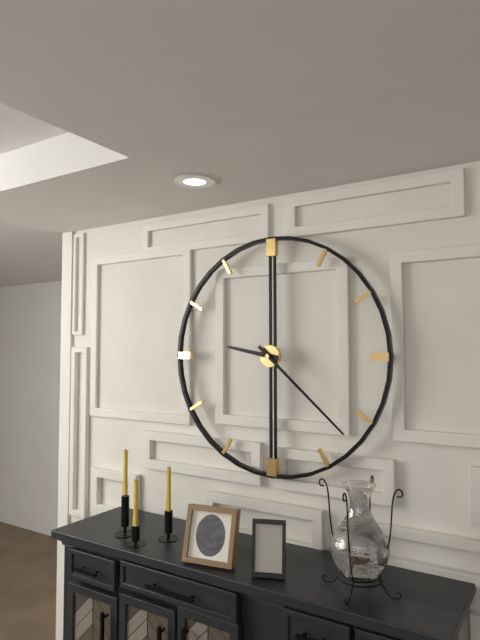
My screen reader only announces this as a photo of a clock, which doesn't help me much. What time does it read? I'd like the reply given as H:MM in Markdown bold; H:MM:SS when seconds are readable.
**9:22**
